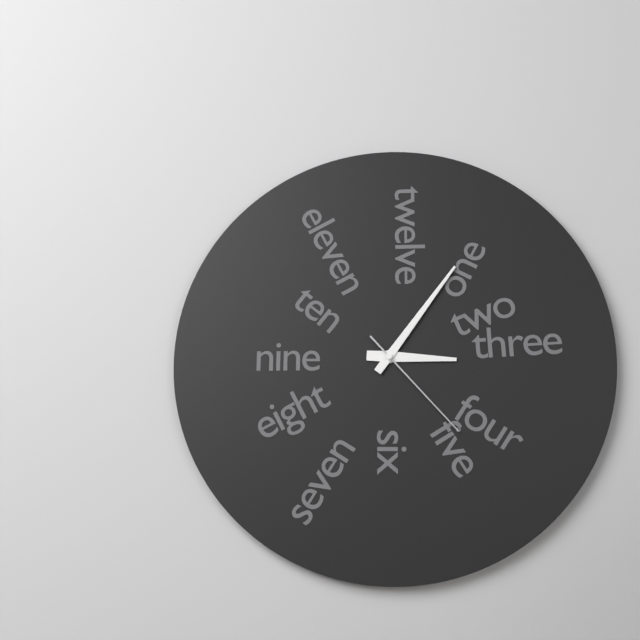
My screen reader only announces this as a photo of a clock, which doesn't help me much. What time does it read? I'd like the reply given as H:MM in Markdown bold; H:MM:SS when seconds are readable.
**3:06:23**
